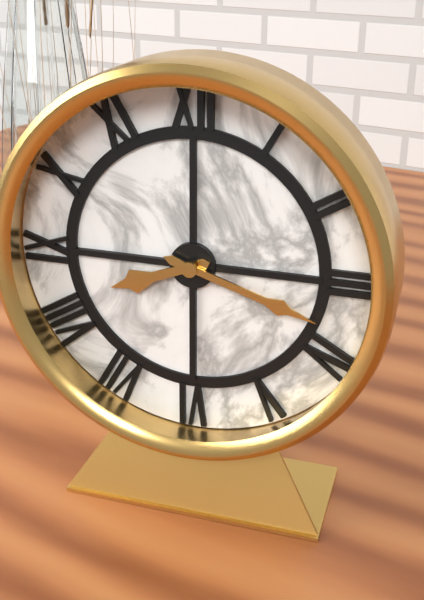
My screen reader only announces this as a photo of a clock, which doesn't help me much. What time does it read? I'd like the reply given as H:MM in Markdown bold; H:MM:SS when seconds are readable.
**8:18**
